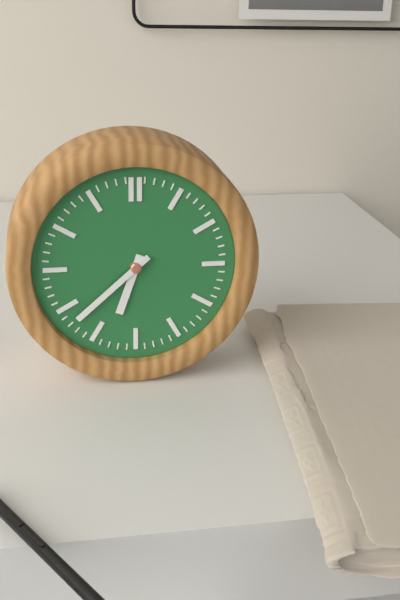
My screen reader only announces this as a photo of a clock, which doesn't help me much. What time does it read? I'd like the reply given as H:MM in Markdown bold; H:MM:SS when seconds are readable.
**6:38**
